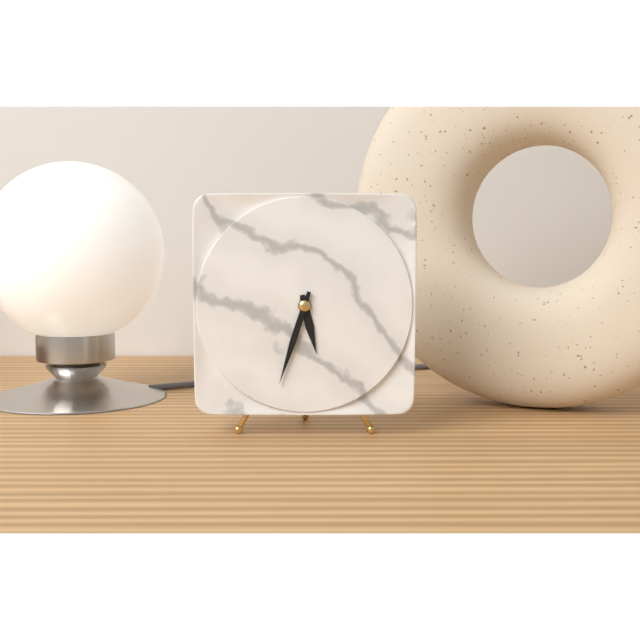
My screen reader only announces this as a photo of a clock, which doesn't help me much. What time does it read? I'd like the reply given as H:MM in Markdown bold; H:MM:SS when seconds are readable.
**5:33**
